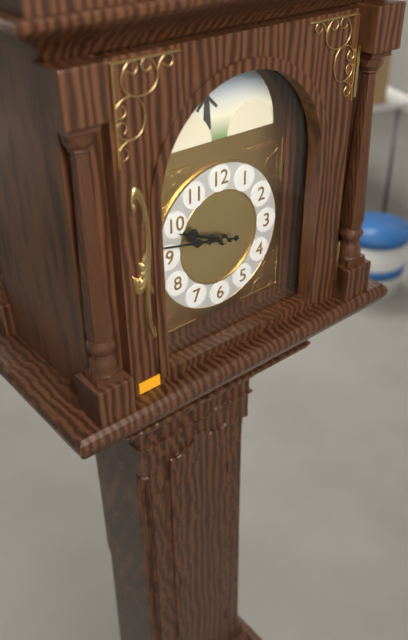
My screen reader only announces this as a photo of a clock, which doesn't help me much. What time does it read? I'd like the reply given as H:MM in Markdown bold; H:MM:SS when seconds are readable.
**9:47**
